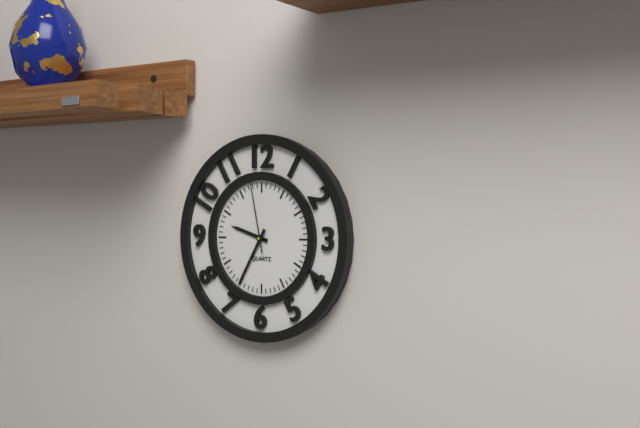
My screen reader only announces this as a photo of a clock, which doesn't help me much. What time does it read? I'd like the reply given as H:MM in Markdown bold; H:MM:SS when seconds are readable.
**9:35:58**
